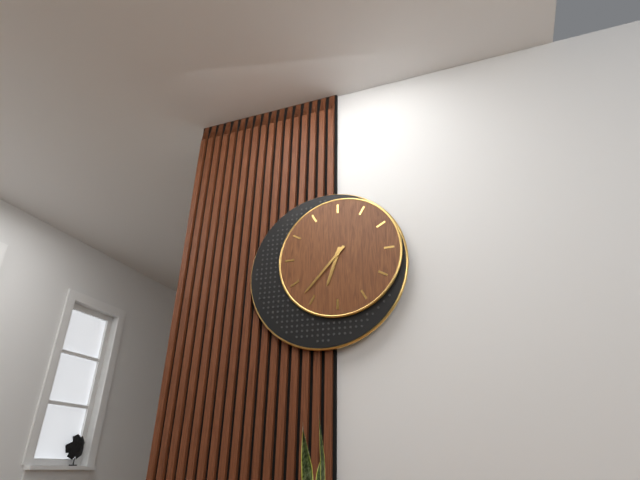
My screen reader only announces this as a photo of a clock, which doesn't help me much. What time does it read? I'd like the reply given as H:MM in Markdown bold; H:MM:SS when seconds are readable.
**6:37**
